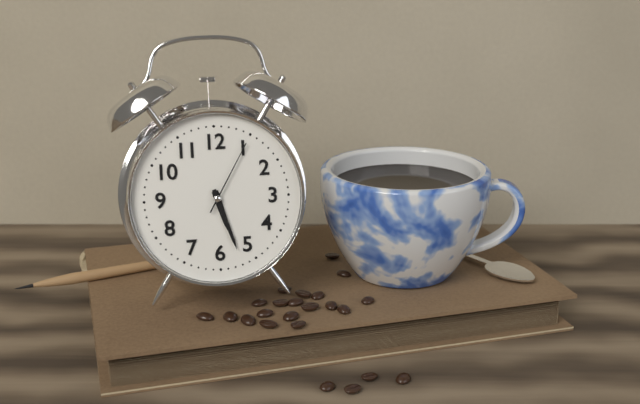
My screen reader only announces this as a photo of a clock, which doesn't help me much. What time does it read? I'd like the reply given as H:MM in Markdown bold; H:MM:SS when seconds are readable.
**5:27:05**
